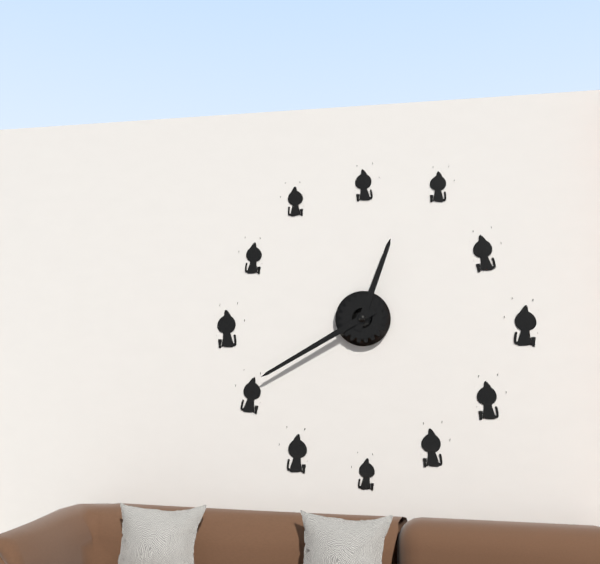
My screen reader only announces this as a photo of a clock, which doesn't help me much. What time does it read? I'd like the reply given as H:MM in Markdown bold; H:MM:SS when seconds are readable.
**12:40**
